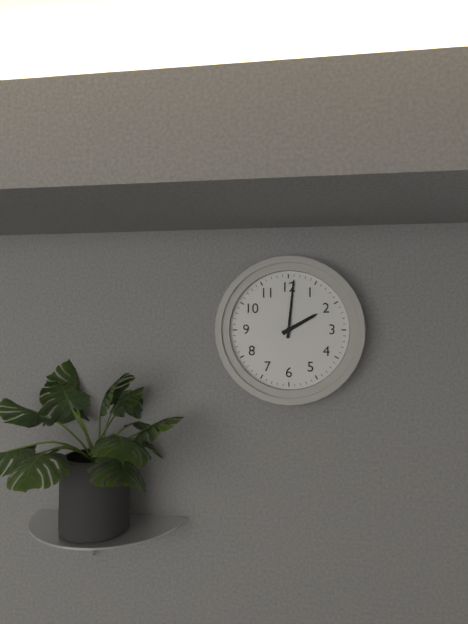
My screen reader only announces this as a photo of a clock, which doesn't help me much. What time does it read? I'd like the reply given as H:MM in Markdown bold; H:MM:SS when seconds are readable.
**2:01**
